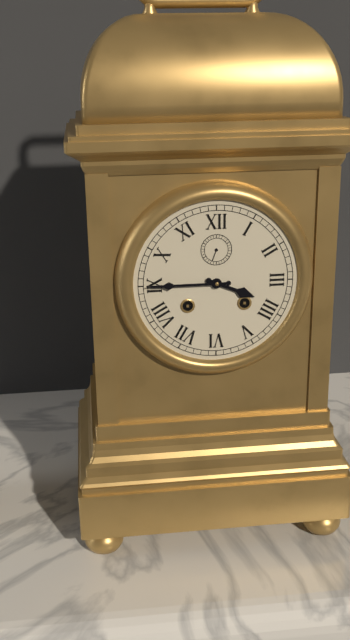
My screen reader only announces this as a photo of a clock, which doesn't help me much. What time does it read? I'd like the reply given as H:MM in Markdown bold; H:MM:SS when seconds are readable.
**3:45**
